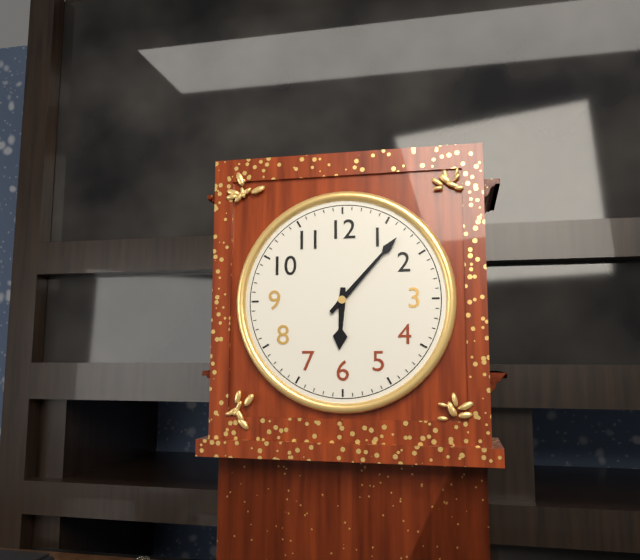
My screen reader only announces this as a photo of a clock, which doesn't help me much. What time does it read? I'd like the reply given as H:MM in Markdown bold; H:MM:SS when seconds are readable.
**6:07**
